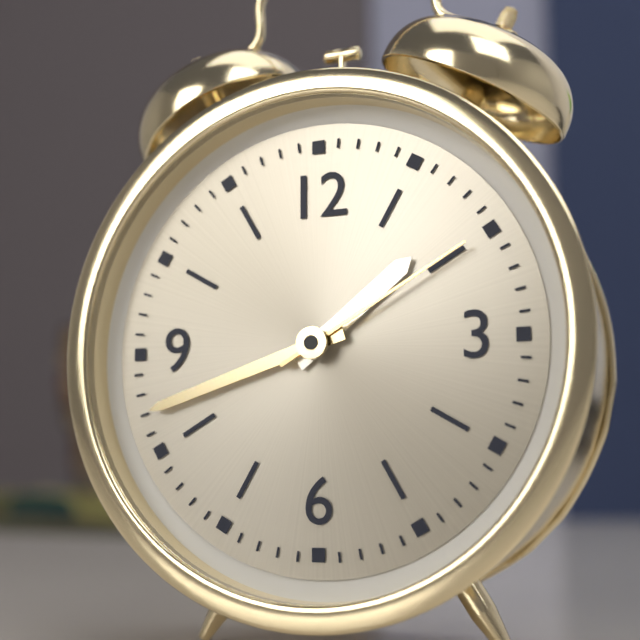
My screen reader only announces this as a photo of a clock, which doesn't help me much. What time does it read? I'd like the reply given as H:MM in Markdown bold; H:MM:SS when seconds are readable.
**1:42:10**
